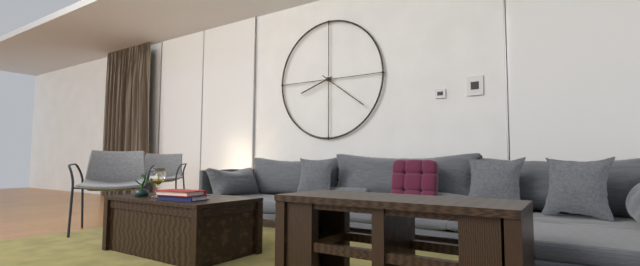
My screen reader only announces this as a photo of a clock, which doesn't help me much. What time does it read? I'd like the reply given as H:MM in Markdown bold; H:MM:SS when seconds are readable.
**8:21**
